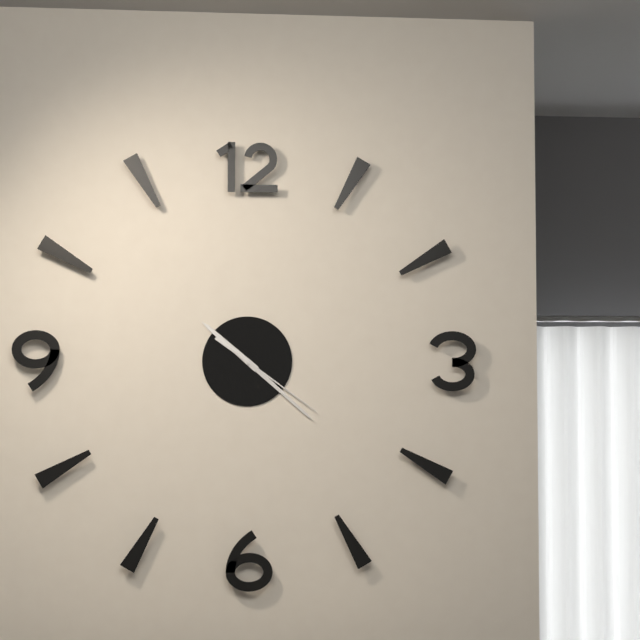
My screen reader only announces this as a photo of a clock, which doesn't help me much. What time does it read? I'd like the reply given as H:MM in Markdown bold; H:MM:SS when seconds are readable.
**10:22:21**
